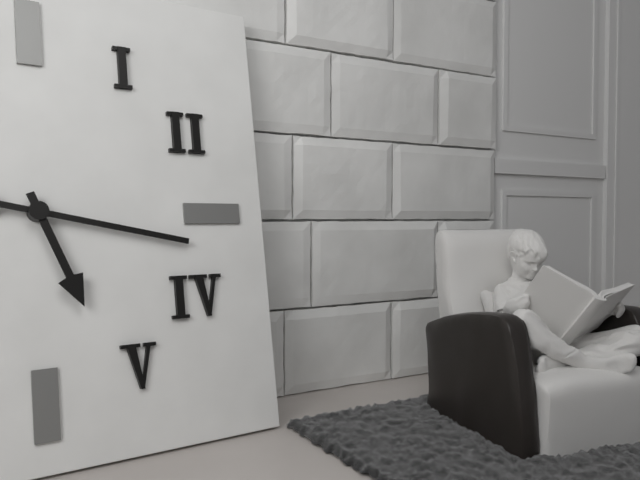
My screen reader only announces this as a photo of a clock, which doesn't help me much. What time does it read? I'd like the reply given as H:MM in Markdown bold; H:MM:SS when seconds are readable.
**5:17**
